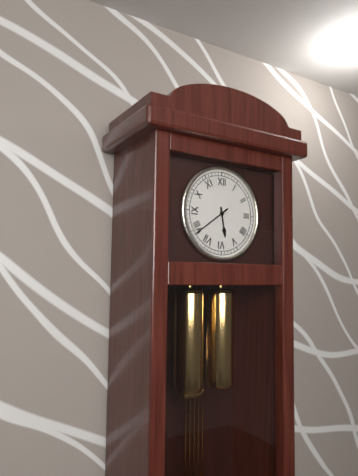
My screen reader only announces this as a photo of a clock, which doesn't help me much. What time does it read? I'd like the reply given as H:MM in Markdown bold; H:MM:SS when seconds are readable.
**5:39**
